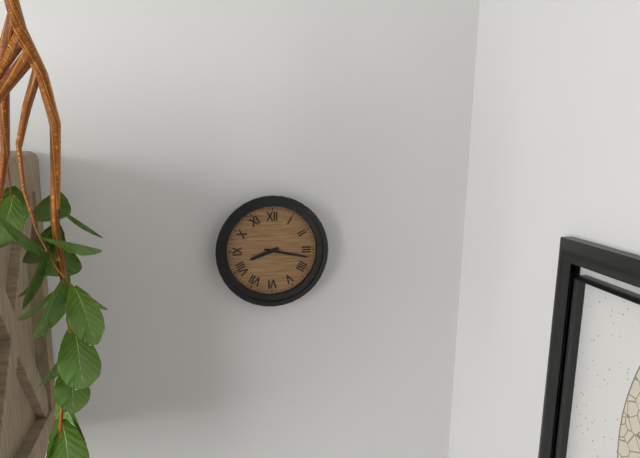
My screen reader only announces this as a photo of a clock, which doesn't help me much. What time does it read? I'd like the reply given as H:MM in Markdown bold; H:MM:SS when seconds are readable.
**8:17**
